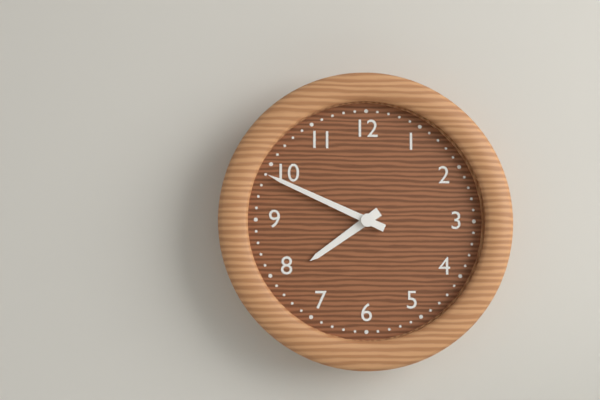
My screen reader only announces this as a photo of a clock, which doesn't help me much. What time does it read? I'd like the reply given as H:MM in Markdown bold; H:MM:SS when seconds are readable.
**7:49**
